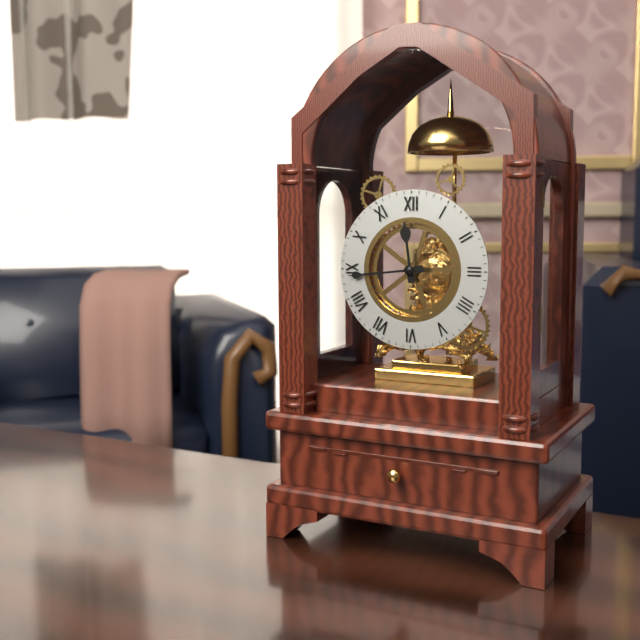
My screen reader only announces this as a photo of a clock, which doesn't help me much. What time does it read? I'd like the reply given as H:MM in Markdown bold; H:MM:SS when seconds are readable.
**11:44**
